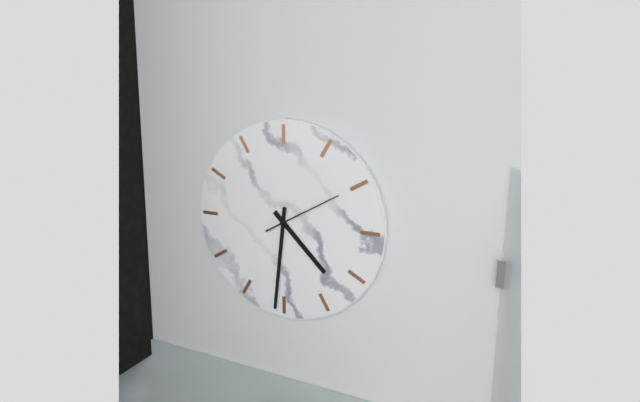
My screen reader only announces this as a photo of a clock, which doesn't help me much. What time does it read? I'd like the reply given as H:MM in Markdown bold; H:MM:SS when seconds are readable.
**4:31:10**
